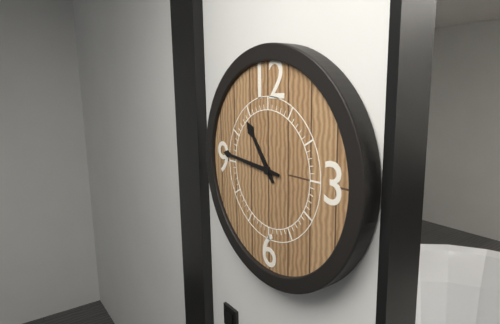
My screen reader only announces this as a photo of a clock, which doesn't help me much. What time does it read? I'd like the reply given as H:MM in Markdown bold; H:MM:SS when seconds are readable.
**10:46**
